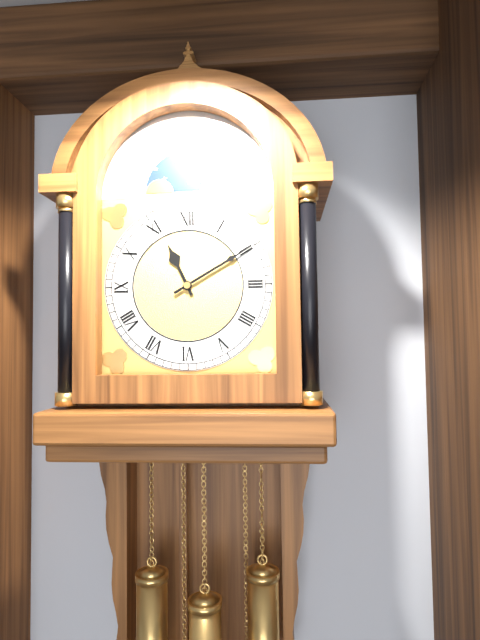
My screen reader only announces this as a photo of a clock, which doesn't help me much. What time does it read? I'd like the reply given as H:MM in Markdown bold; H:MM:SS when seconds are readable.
**11:10**
